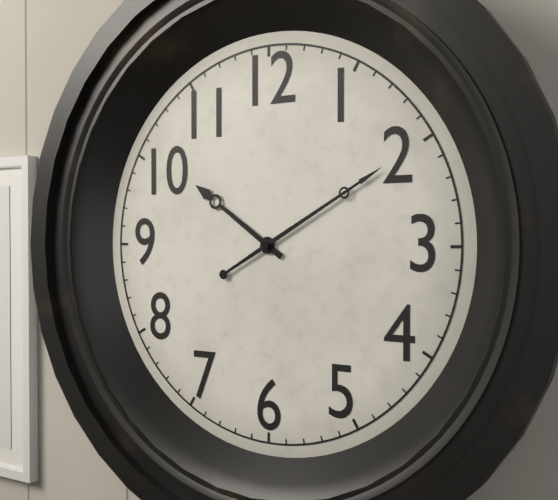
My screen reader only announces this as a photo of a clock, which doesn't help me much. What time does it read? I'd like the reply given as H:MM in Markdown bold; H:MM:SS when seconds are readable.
**10:10**
